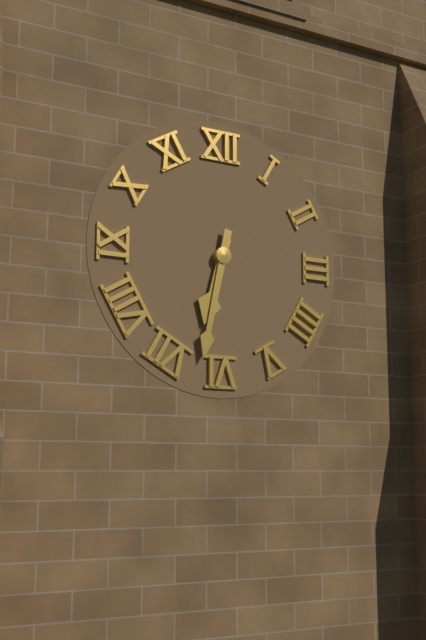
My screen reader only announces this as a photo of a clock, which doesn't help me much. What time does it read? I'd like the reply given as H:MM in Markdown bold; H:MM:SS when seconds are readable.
**6:32**
